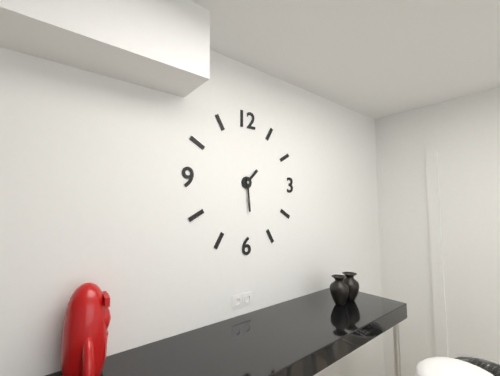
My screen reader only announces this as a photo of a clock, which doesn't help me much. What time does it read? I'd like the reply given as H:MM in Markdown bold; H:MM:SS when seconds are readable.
**1:29**
